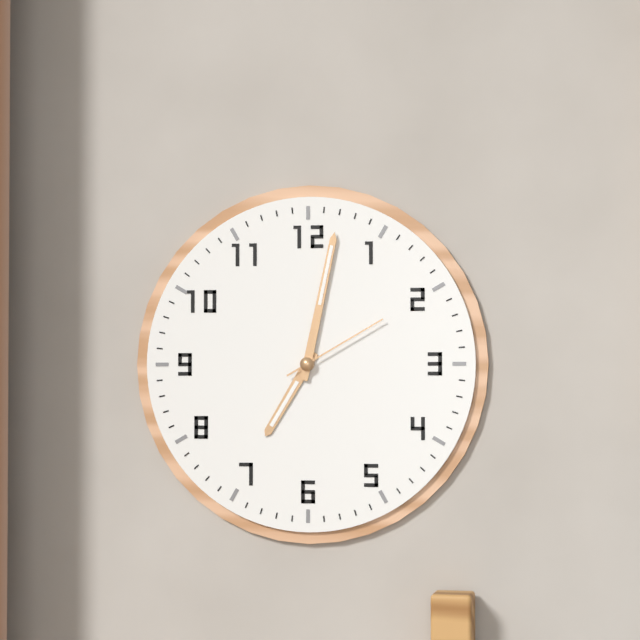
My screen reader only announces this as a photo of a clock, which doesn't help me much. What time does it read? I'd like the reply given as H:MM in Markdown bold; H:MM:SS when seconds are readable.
**7:02:10**
